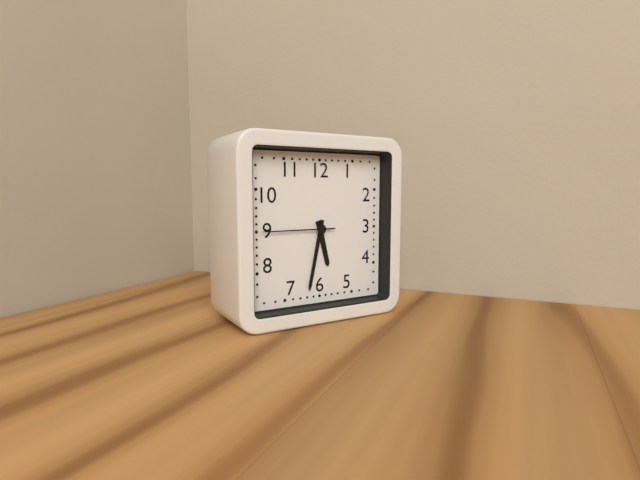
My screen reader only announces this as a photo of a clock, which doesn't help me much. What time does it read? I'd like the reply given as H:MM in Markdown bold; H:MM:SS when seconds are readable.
**5:32:45**
